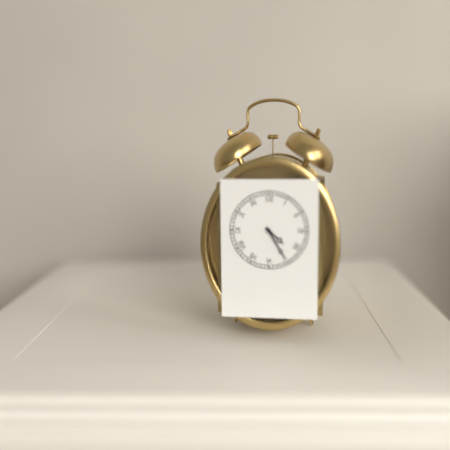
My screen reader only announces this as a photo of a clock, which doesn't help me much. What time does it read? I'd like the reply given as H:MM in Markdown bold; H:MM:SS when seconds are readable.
**4:25**
